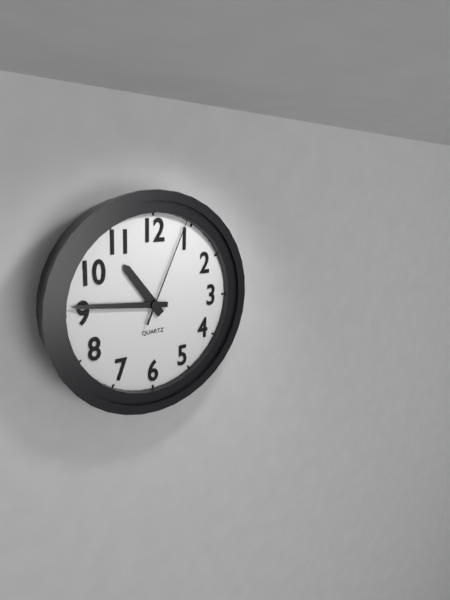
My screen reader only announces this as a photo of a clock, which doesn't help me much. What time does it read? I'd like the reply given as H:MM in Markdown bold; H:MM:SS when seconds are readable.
**10:46:04**
